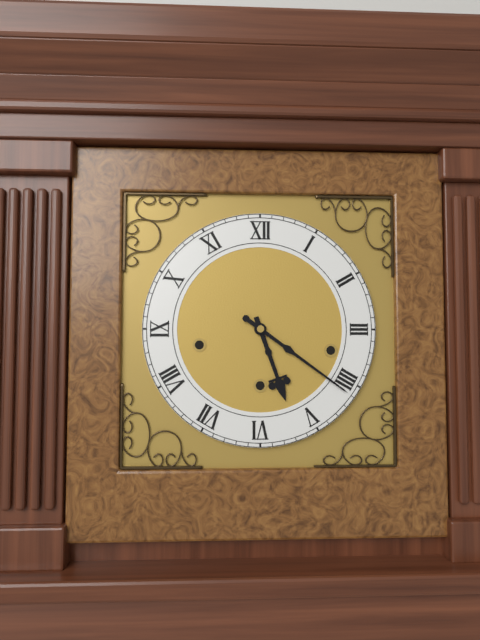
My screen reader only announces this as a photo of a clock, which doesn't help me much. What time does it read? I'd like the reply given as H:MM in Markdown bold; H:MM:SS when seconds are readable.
**5:21**
